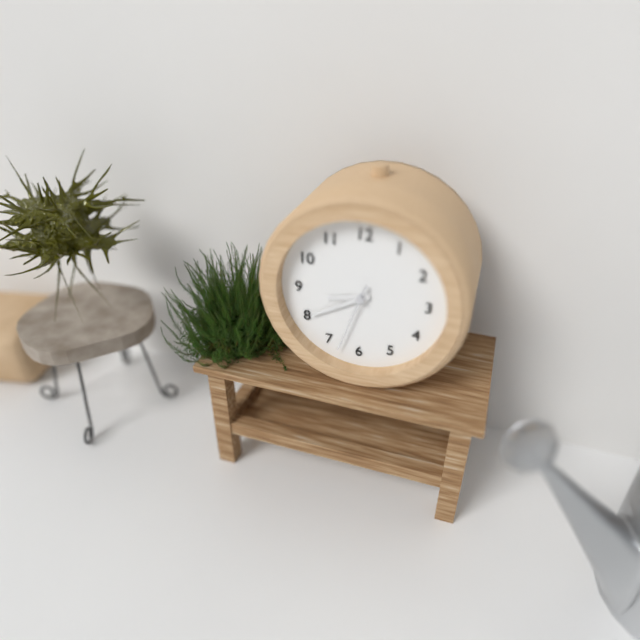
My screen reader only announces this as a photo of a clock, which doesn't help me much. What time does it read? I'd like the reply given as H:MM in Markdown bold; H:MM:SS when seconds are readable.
**8:40:33**
